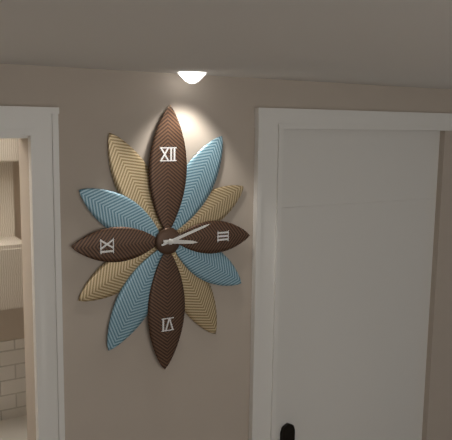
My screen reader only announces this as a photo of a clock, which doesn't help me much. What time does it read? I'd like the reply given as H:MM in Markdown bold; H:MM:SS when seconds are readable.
**3:12**
